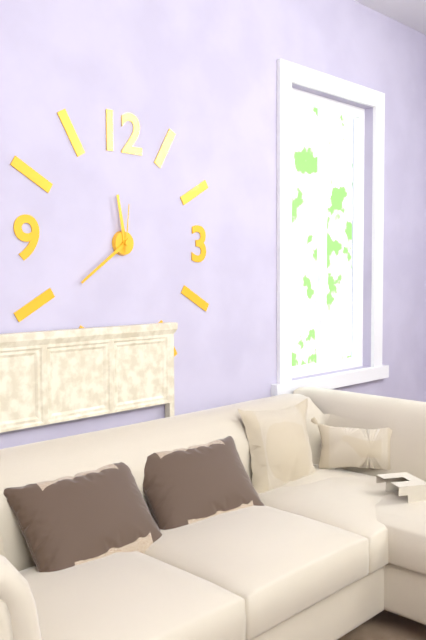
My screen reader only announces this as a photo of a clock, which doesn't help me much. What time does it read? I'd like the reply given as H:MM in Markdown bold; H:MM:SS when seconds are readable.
**11:39**
